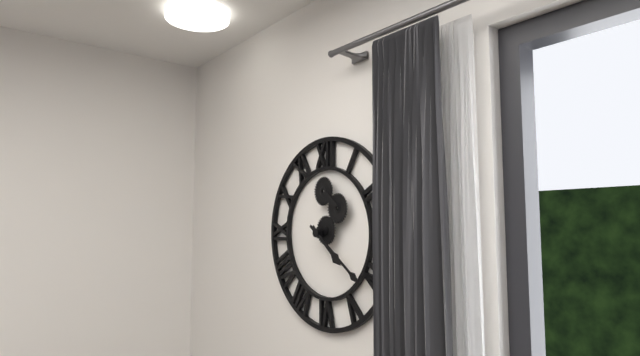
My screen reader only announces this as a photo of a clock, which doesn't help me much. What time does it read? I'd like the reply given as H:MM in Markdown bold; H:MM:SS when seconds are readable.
**4:21**
